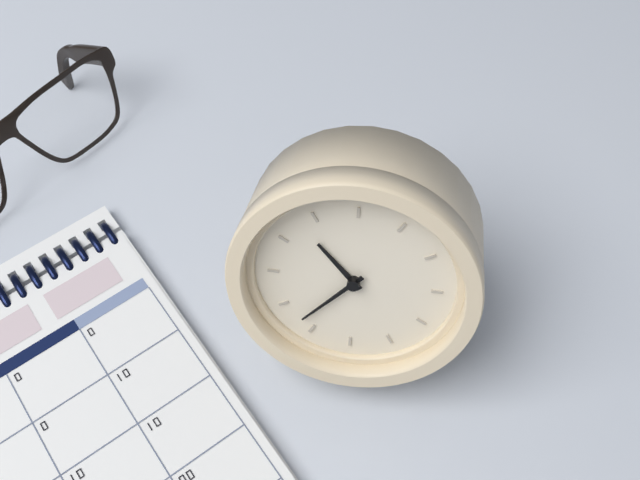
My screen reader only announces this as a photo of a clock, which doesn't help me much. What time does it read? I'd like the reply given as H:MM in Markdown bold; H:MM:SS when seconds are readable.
**10:37**
